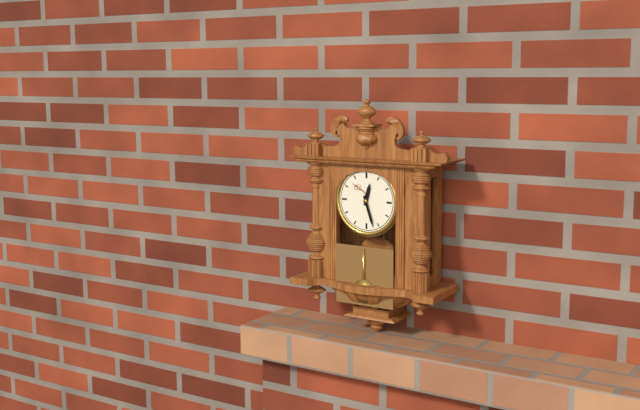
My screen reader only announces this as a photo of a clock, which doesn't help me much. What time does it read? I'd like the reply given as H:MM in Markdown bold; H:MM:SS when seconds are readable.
**12:27**
